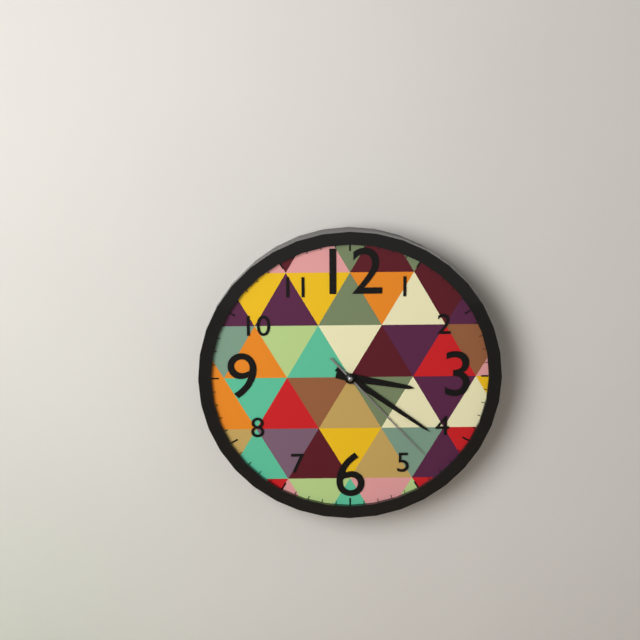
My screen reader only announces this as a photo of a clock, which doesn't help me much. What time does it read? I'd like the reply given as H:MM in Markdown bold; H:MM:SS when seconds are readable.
**3:21:23**
